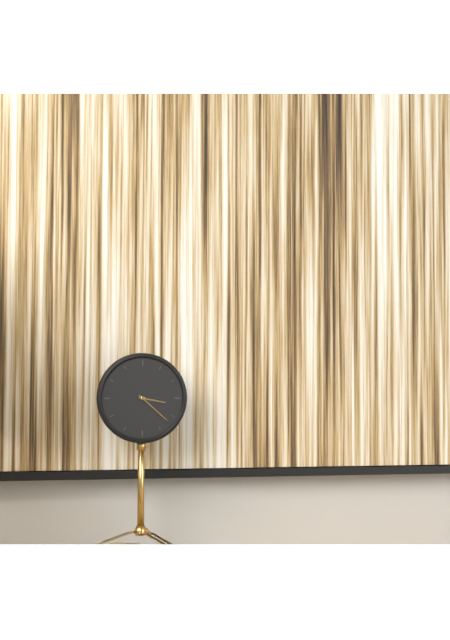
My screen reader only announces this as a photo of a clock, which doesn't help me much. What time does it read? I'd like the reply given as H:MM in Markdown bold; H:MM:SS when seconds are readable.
**3:22**
